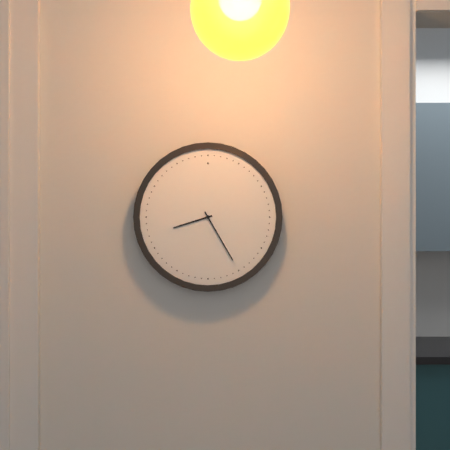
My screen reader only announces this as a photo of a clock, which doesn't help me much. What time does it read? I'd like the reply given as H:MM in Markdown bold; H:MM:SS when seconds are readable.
**8:25**
